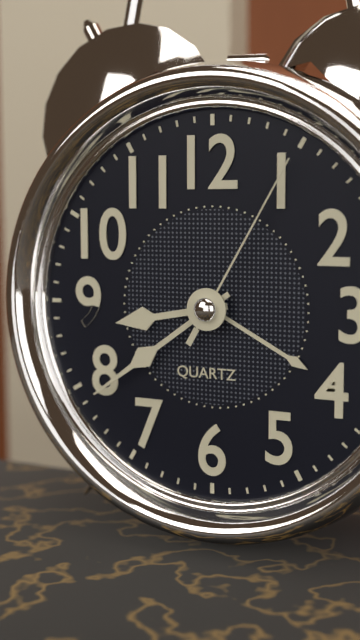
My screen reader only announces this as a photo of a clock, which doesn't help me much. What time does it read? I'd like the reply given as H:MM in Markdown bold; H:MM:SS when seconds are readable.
**8:39:05**
